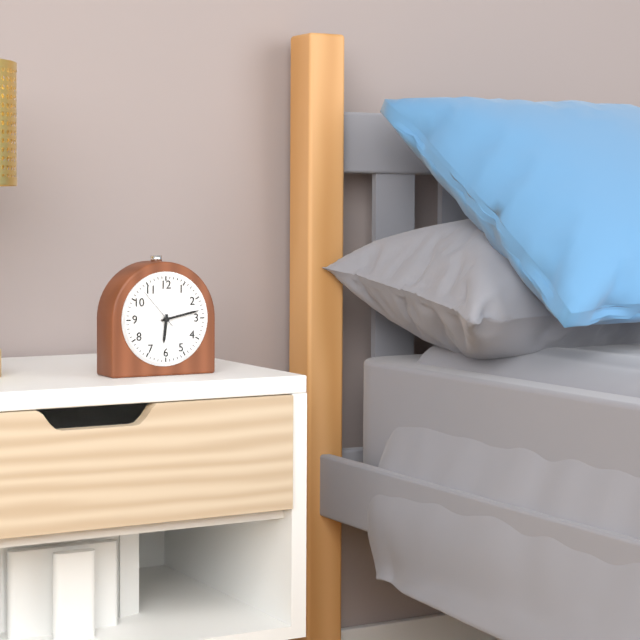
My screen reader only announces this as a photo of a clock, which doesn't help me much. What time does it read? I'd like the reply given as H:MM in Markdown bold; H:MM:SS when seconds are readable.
**6:13**
